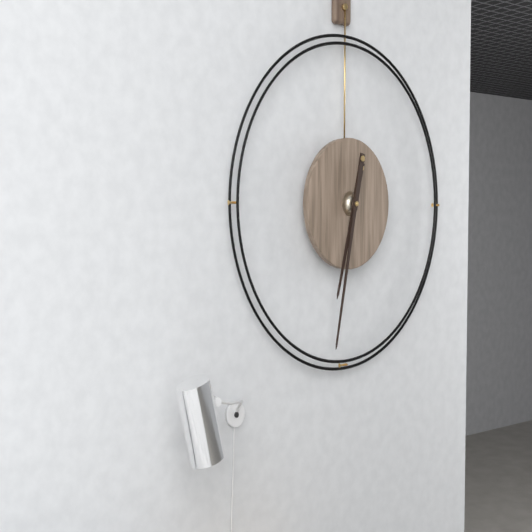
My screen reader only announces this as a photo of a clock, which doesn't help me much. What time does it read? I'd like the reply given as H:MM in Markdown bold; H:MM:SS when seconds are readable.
**6:32**
